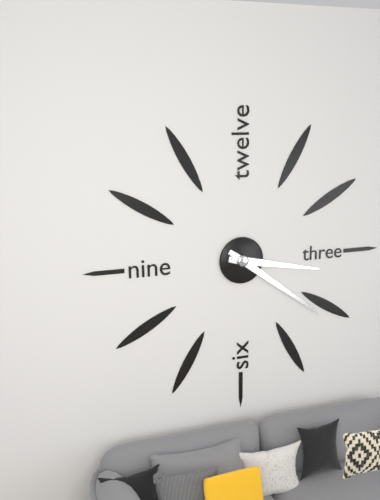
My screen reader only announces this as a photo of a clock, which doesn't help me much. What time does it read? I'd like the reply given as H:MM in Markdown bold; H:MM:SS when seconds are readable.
**3:21**
